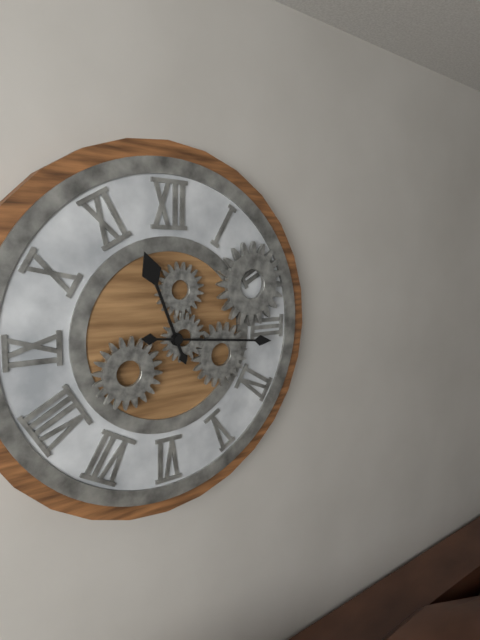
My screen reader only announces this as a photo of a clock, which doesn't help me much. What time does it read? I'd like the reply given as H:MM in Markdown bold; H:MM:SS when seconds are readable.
**11:16**
